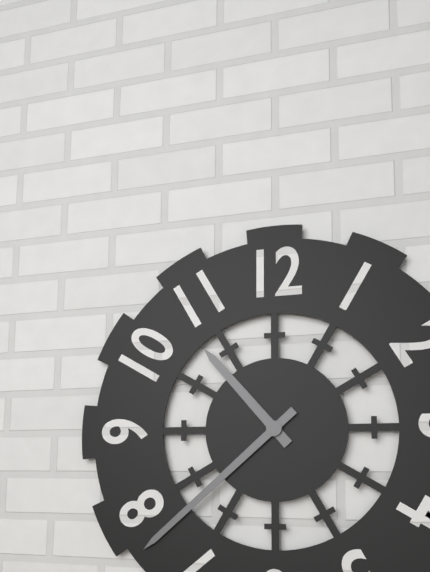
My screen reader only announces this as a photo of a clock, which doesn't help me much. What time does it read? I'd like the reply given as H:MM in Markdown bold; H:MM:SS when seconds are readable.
**10:38**
